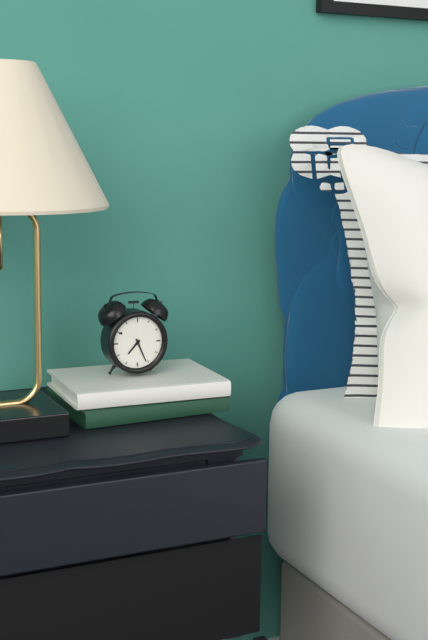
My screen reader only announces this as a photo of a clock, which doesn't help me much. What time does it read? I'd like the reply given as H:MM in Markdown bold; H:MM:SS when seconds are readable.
**7:26**
